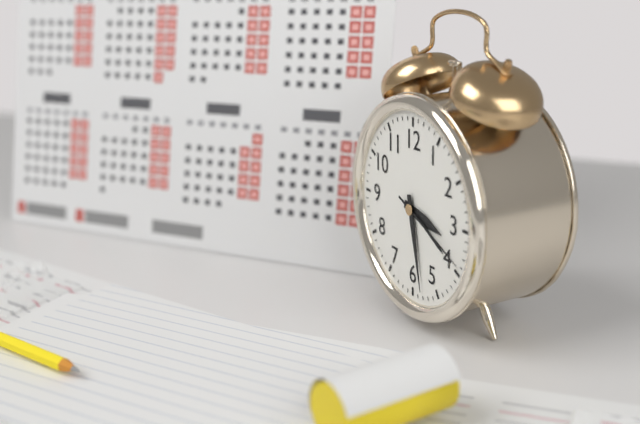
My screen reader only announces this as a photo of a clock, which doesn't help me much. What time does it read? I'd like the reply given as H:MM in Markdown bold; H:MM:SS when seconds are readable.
**3:28:19**
